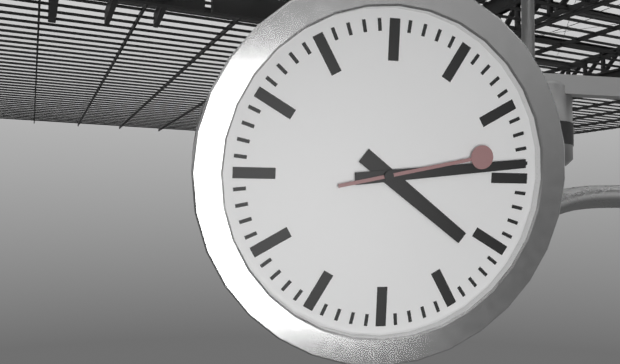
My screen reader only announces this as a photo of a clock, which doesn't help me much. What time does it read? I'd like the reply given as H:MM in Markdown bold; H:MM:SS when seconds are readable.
**4:14:13**
